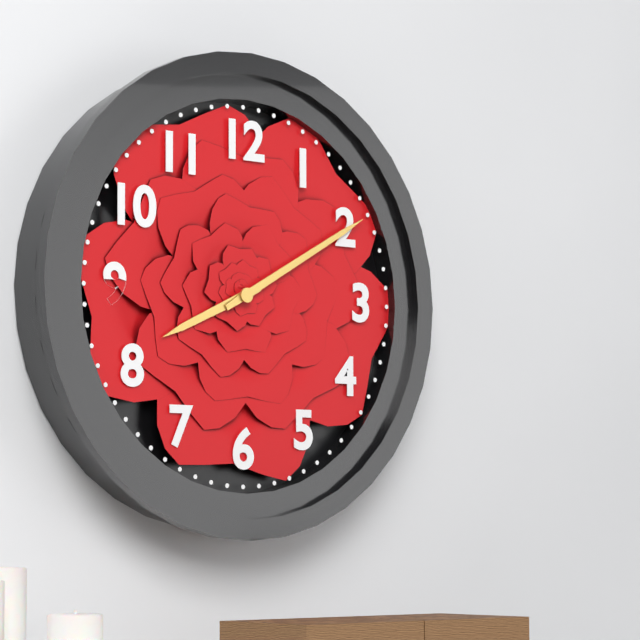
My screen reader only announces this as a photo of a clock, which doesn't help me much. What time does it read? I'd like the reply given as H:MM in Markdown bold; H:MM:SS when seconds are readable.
**8:10**
